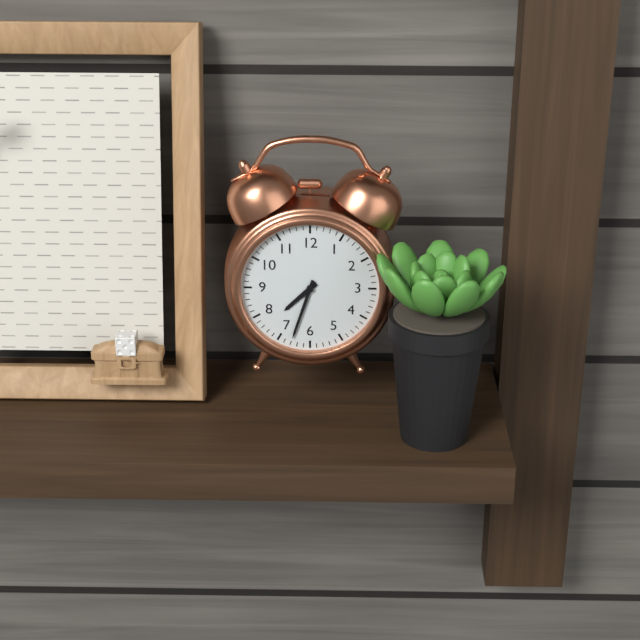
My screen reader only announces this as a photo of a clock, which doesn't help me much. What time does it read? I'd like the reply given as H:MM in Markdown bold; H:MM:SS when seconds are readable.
**7:33**
